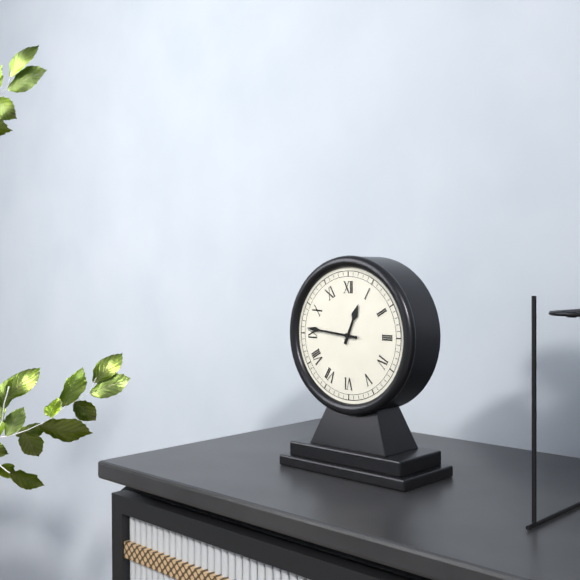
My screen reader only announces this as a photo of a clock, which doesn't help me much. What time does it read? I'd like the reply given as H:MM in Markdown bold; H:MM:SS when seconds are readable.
**12:46**
